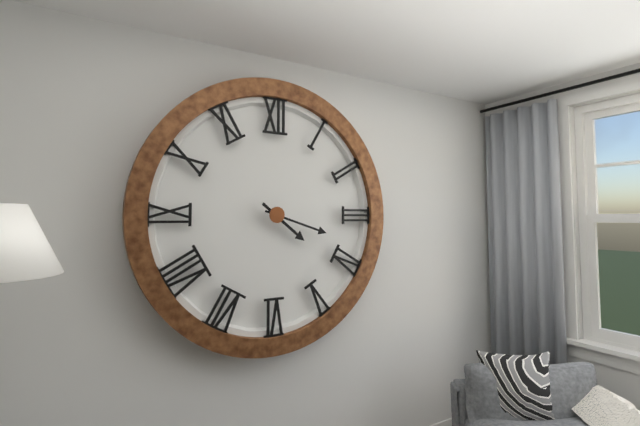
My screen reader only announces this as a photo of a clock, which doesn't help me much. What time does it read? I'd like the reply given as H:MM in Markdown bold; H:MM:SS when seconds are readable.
**4:18**
